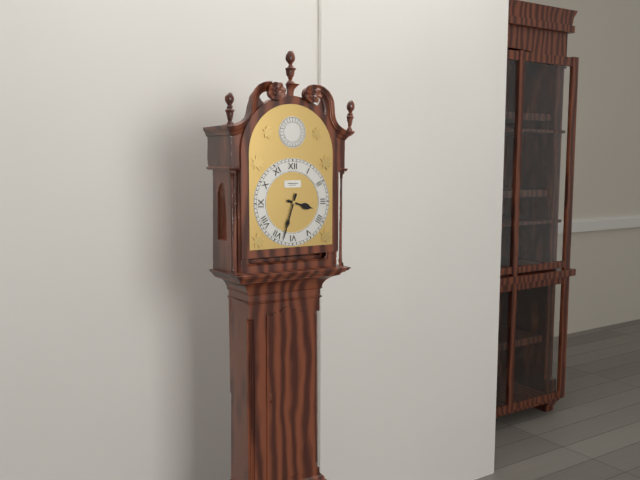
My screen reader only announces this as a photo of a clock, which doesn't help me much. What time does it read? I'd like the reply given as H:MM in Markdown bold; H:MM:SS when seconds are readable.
**3:33**
